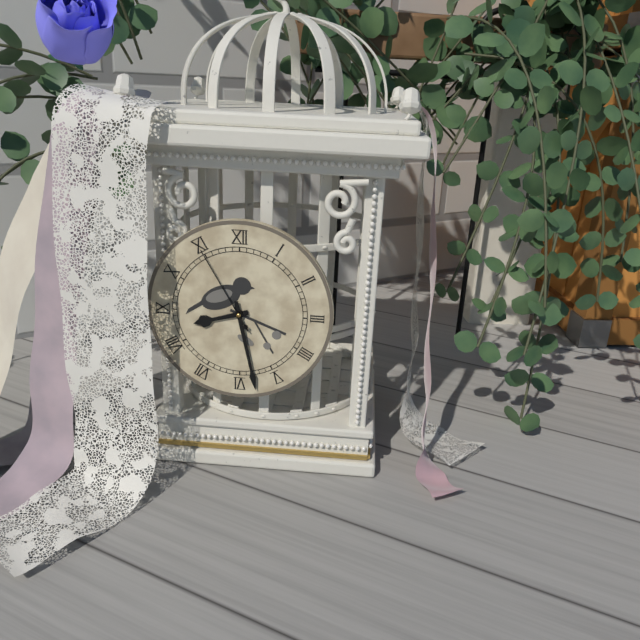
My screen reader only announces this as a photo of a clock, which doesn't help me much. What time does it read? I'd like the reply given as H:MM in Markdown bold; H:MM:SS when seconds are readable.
**8:28:55**
